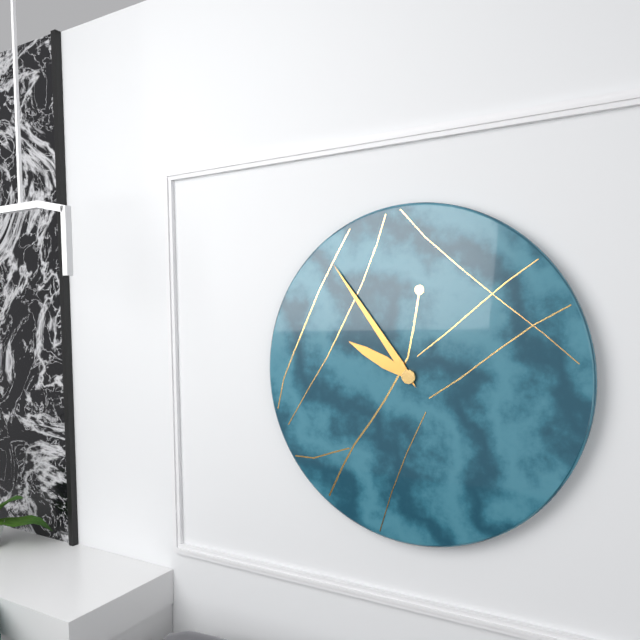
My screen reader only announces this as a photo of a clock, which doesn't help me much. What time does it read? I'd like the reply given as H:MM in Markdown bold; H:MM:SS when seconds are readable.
**9:54**
